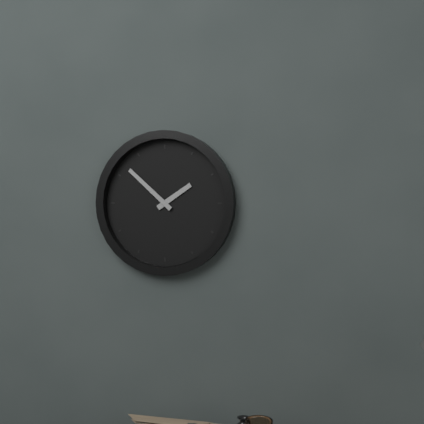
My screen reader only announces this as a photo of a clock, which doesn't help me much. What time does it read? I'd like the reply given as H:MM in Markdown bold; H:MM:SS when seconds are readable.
**1:52**
